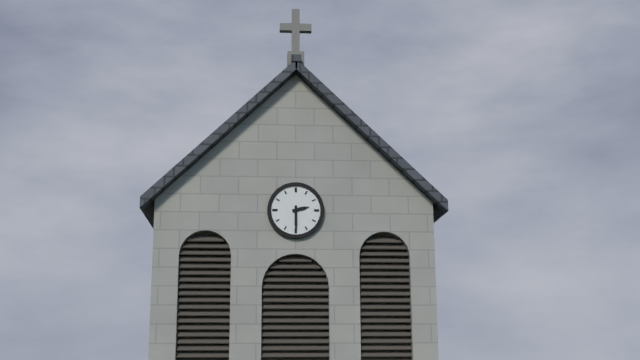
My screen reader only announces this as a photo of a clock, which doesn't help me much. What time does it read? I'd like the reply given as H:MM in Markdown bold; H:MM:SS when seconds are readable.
**2:30**
